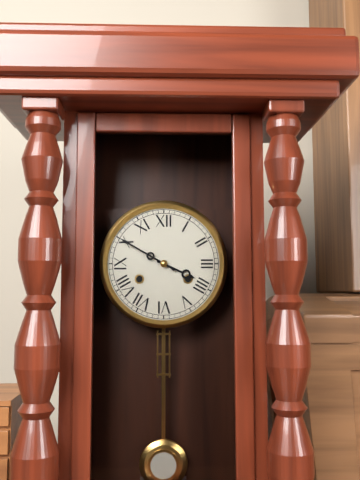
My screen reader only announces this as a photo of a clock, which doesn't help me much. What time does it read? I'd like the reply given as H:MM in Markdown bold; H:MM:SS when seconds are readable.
**3:50**
